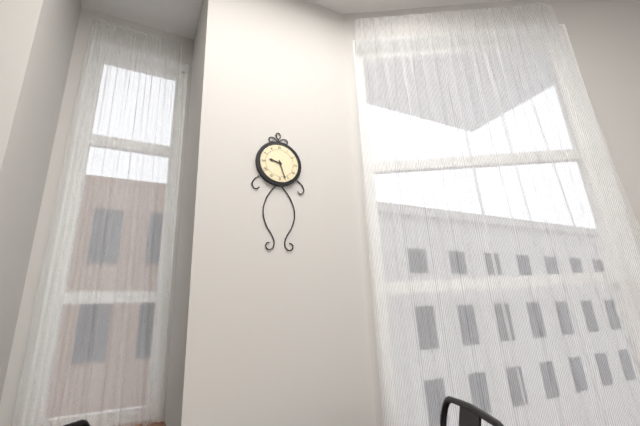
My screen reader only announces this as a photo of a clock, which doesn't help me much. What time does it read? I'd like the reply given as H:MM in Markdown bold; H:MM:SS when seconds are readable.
**9:27**
